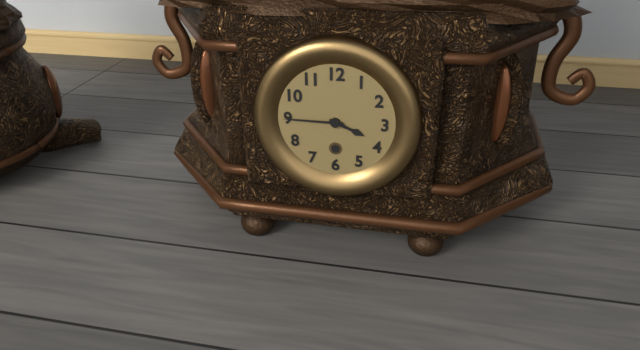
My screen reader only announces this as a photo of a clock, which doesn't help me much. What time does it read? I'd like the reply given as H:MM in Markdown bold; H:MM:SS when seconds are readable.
**3:45**
